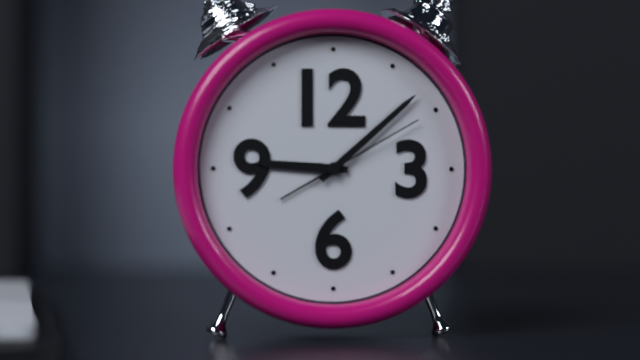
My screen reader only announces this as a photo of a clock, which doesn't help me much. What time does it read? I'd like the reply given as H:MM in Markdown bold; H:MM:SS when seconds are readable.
**9:08:10**
